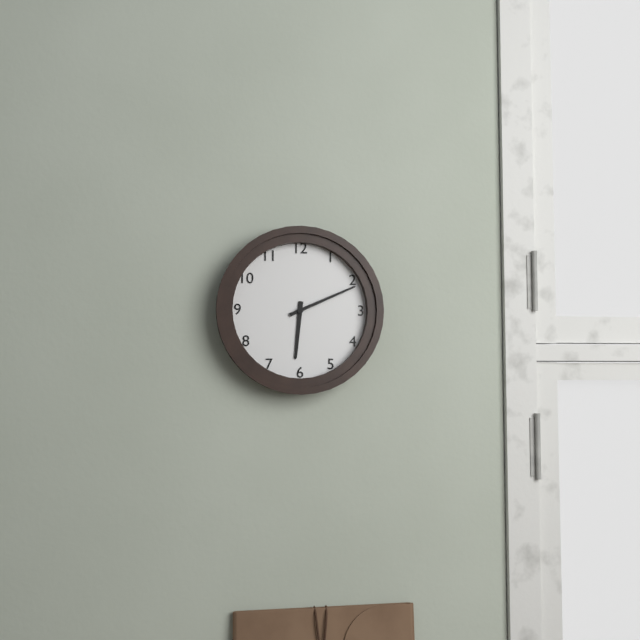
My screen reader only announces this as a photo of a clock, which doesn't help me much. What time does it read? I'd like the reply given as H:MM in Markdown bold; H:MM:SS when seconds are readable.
**6:11**
